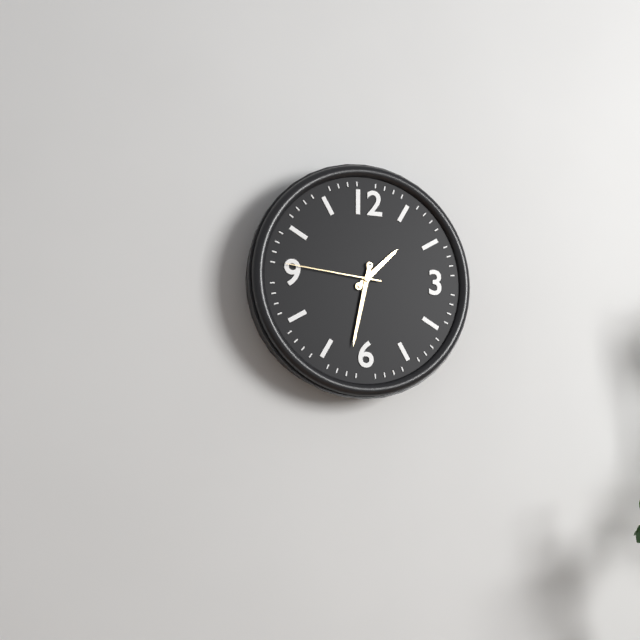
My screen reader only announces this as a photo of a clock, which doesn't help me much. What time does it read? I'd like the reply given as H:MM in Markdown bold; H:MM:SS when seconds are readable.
**1:32:46**
